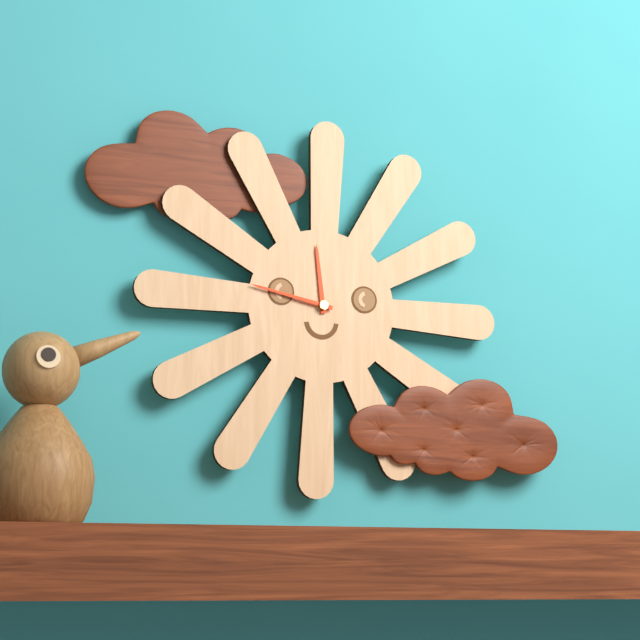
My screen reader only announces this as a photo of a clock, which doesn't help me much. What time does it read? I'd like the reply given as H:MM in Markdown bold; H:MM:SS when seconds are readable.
**11:47**
